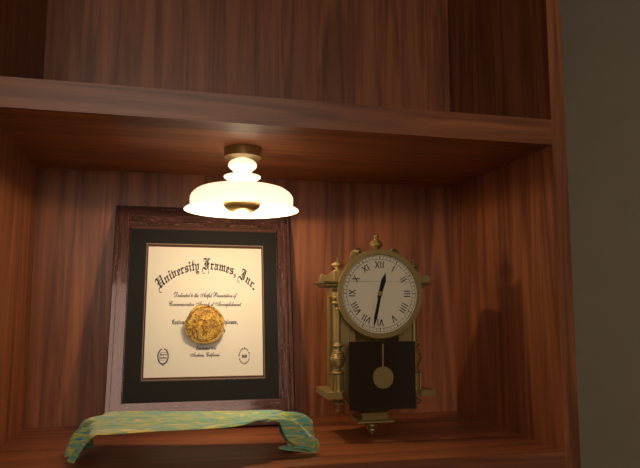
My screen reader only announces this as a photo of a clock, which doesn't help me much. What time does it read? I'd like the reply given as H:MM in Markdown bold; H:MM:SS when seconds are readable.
**12:32**
